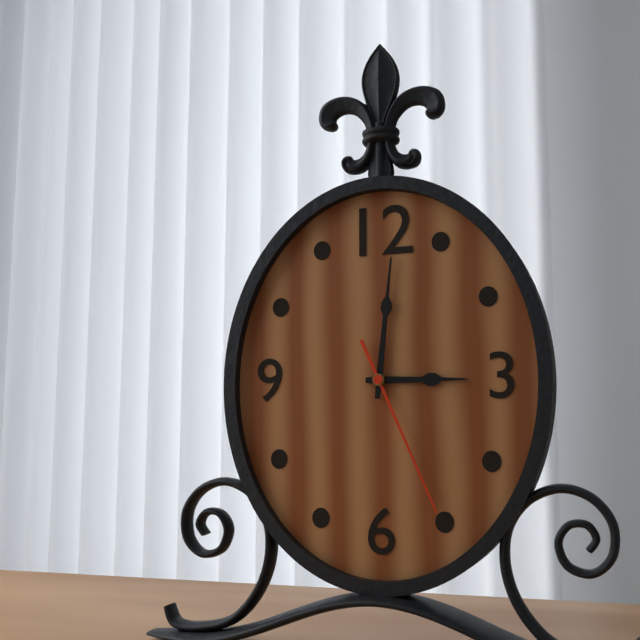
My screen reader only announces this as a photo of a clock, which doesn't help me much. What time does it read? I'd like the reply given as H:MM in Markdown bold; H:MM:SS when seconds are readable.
**3:01:26**
